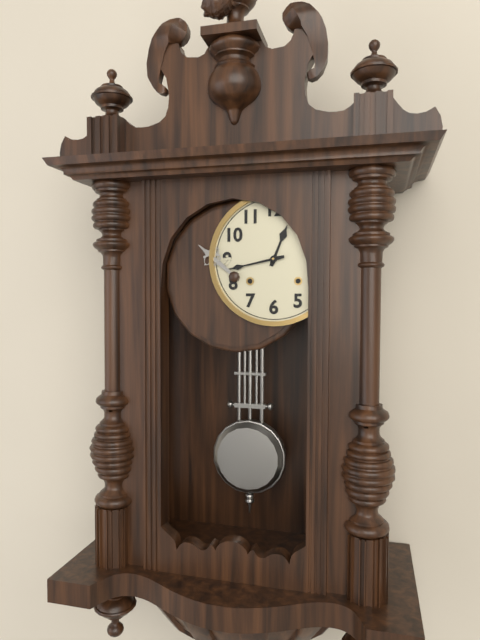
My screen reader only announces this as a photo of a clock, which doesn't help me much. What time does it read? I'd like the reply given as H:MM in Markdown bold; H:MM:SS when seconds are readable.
**12:43**
